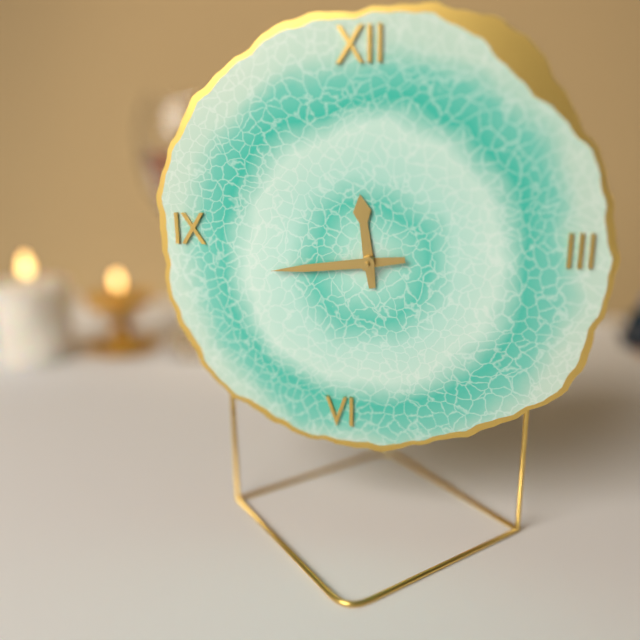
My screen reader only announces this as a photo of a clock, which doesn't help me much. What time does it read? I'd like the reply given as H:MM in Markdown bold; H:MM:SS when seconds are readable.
**11:44**
